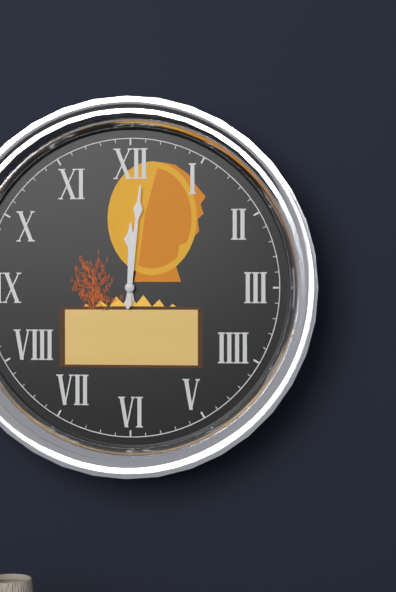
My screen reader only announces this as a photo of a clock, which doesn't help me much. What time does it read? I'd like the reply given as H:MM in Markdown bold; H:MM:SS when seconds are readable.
**12:01**
